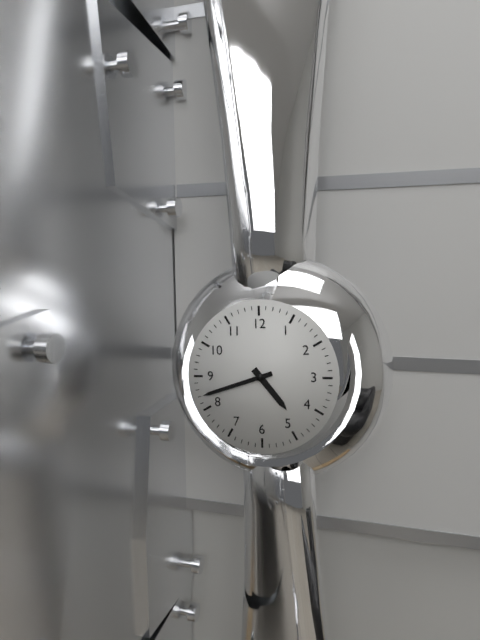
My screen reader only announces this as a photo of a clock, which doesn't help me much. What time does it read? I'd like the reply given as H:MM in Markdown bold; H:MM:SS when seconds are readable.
**4:42**
